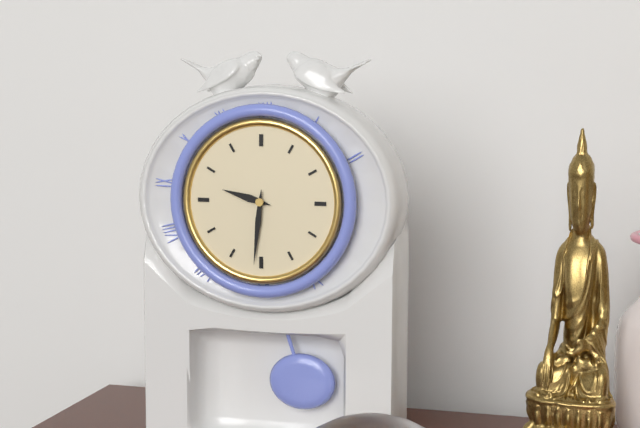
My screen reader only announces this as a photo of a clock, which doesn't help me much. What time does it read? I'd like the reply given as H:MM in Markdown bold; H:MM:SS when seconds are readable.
**9:31**
